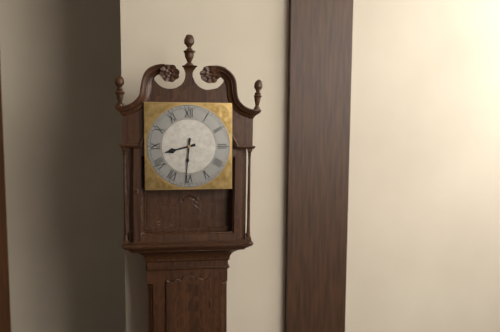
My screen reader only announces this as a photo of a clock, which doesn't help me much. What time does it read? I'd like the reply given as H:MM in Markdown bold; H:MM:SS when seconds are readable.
**8:31**
